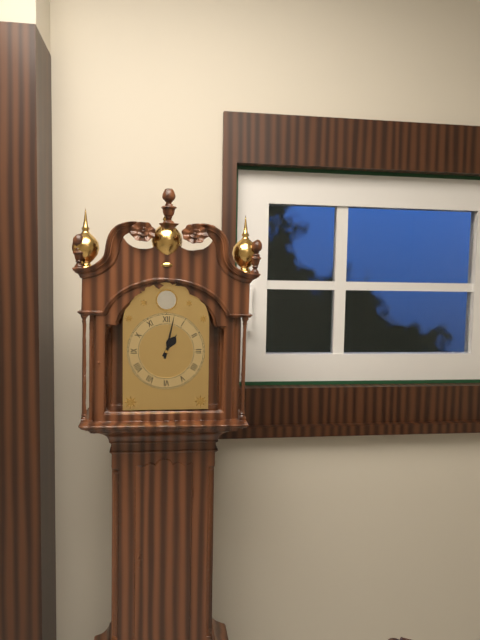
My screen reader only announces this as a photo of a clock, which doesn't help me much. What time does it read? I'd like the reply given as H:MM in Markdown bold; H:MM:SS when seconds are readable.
**1:02**
